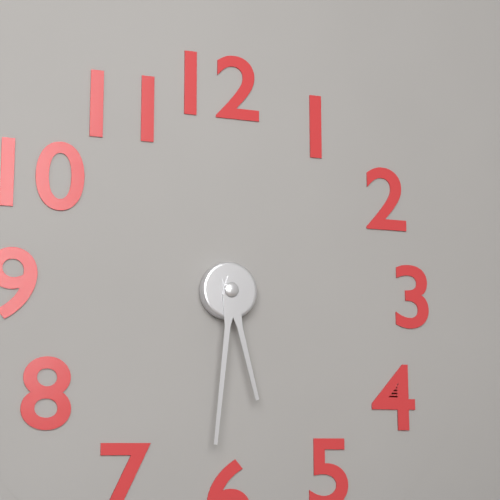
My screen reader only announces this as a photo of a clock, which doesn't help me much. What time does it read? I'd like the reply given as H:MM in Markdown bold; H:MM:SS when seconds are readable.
**5:31**
